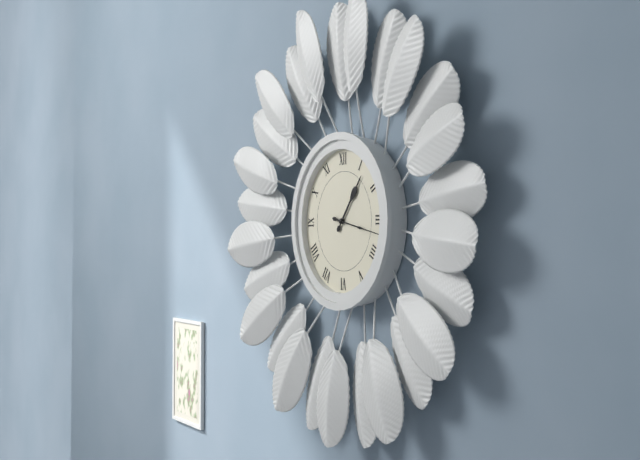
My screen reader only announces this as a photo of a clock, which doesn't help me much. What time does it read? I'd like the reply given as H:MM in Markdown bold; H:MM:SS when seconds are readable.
**1:17**
